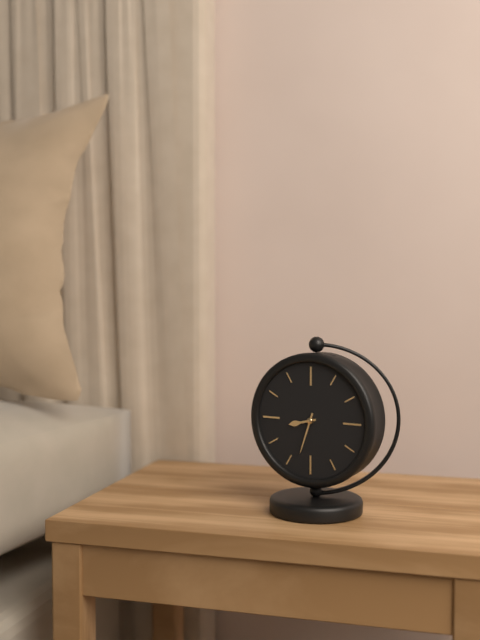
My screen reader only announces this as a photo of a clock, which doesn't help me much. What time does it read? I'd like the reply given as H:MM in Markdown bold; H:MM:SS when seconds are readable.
**8:33**
